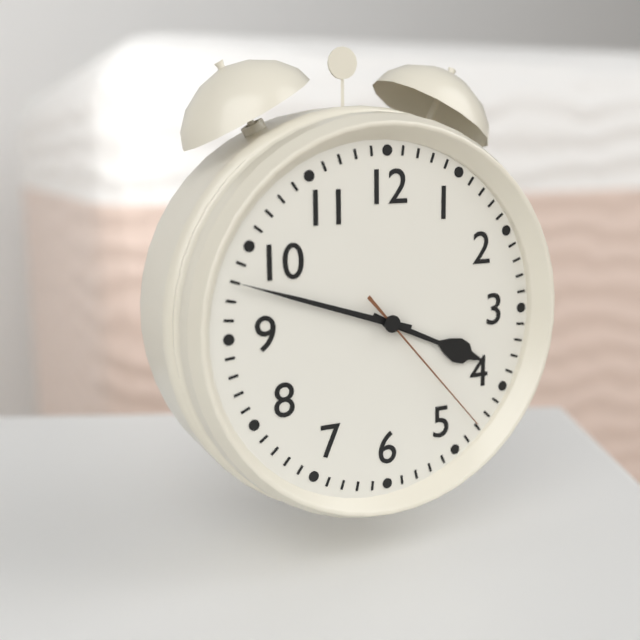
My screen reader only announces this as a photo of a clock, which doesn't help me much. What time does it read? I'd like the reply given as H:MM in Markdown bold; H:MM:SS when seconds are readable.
**3:48:23**
